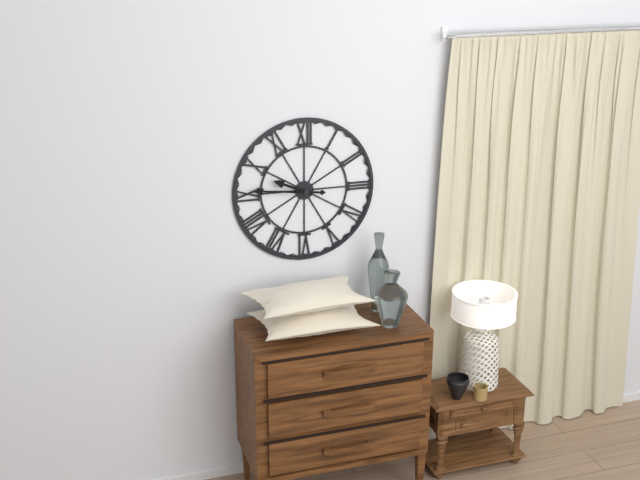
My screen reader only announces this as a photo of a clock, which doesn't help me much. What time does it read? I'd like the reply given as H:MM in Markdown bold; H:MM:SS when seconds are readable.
**9:46**
